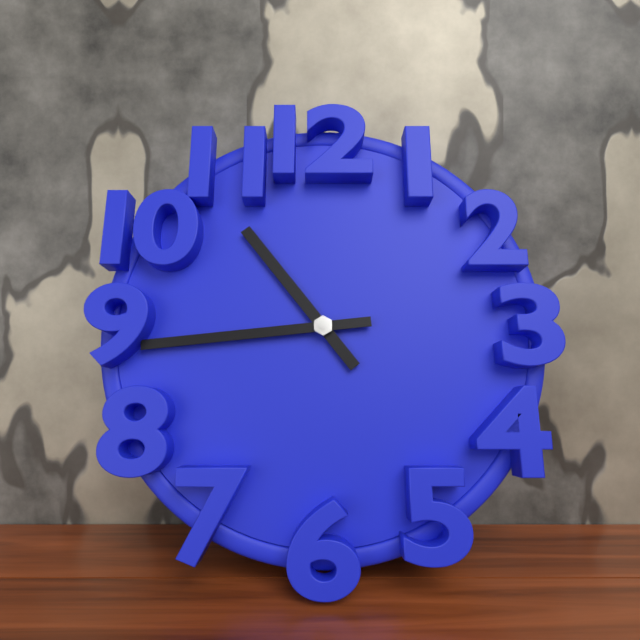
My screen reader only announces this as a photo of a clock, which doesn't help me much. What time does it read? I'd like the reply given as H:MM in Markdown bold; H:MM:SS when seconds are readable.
**10:44**
